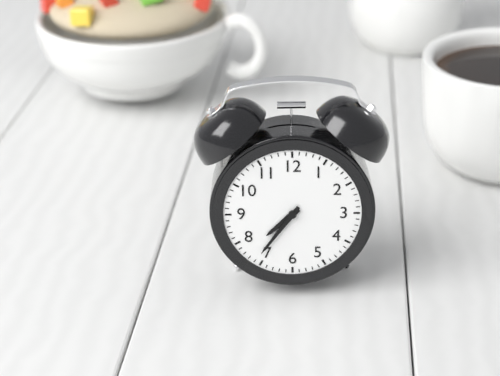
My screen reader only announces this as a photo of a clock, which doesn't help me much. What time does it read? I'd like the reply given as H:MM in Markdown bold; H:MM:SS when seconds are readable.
**7:36**
